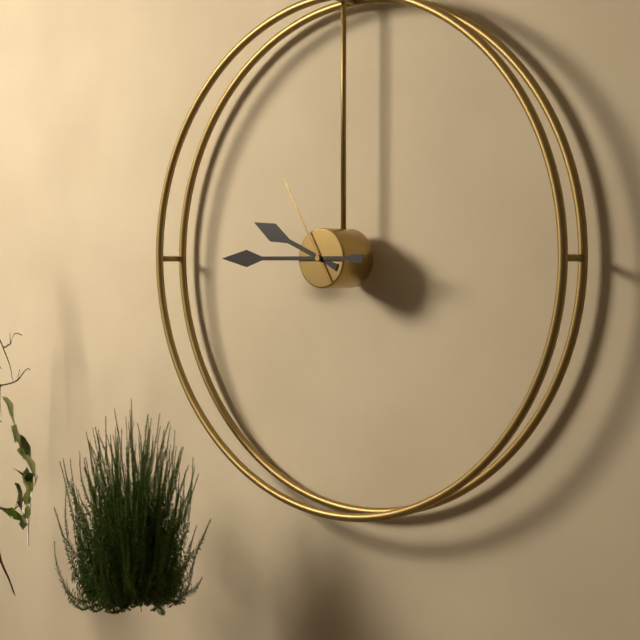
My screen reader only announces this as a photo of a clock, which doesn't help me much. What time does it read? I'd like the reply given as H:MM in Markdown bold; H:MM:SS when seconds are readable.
**9:45:55**
